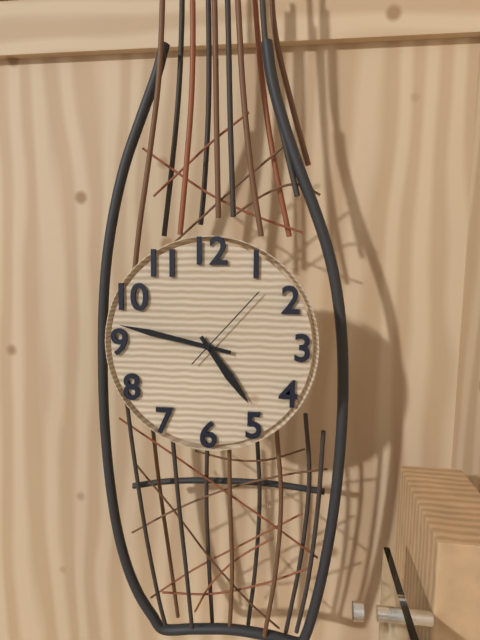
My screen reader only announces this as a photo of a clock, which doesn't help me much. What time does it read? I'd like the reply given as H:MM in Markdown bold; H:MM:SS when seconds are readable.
**4:47:07**
